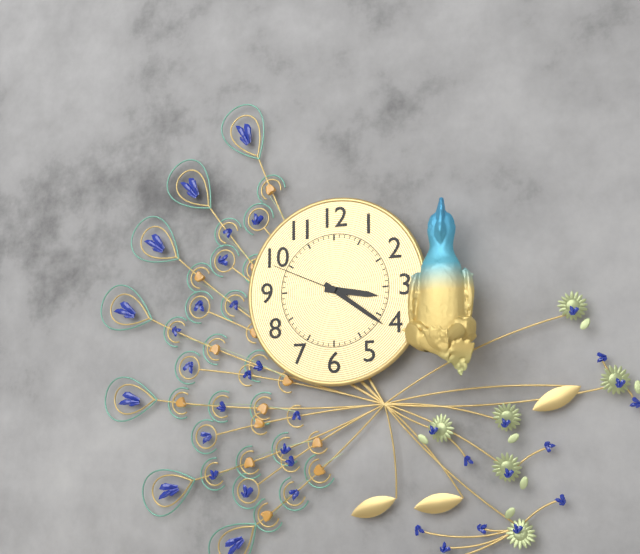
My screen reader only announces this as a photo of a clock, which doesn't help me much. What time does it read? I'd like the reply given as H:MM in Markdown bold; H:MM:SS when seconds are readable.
**3:21:49**
